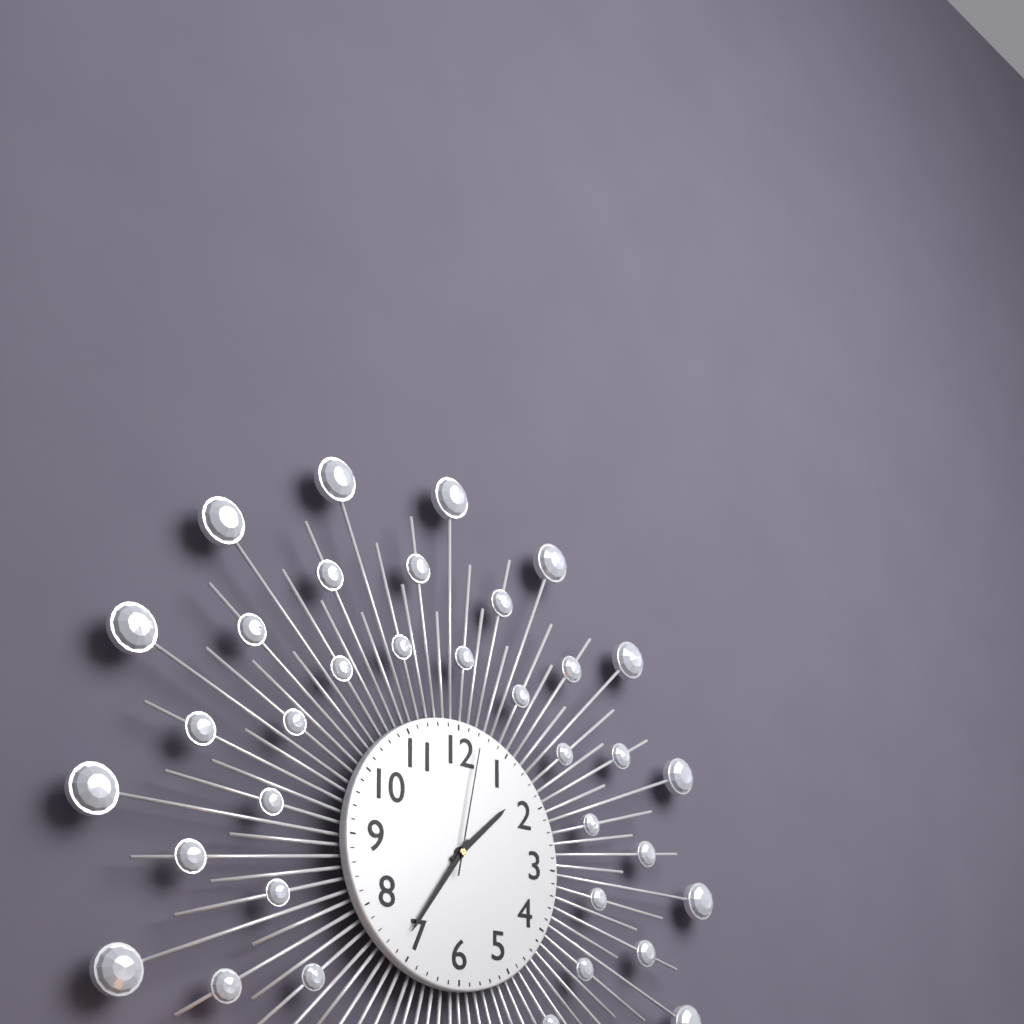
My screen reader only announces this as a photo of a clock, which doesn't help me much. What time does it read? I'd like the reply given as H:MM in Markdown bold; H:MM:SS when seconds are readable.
**1:36:02**
